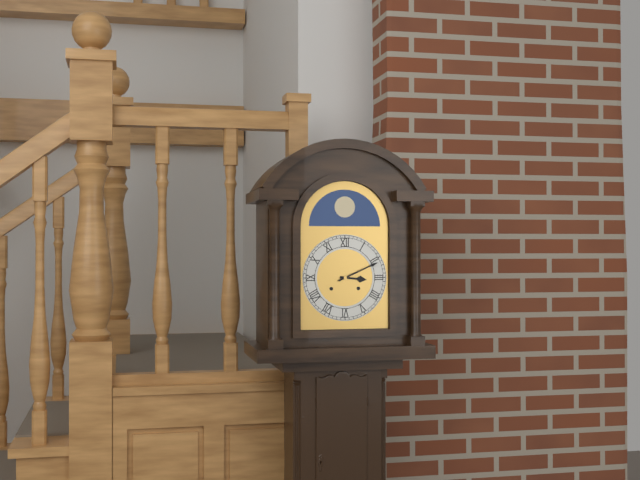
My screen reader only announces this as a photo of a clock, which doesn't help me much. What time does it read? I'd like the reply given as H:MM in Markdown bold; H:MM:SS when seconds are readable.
**3:11**
